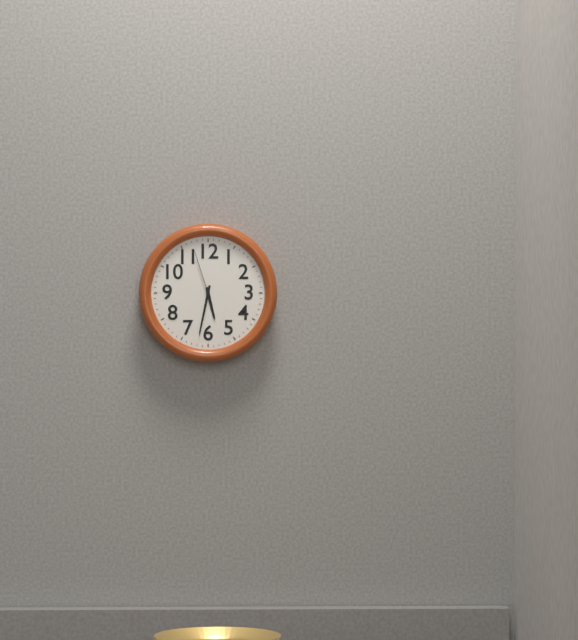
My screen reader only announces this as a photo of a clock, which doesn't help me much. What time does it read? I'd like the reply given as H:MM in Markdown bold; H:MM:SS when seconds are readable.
**5:32:57**
